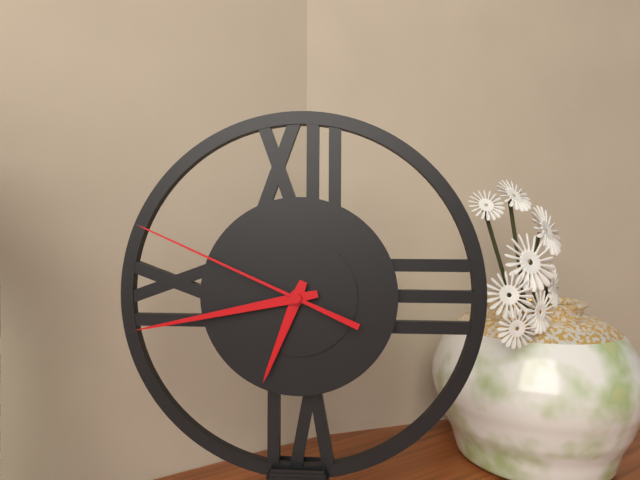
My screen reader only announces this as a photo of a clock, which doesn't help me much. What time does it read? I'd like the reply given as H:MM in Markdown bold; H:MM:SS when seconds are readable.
**6:43:49**
